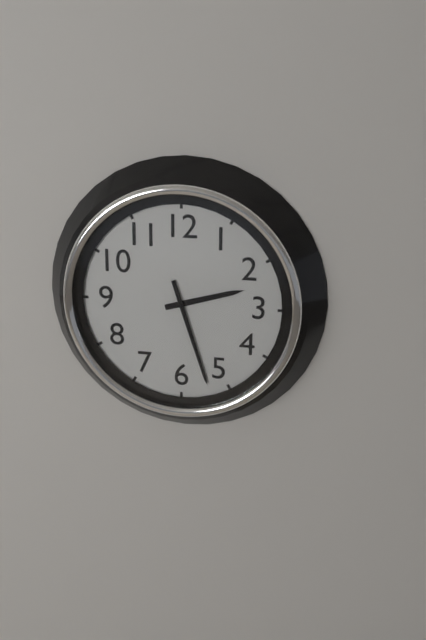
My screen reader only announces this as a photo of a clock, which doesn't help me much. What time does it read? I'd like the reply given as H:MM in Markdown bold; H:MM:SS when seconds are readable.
**2:27**
